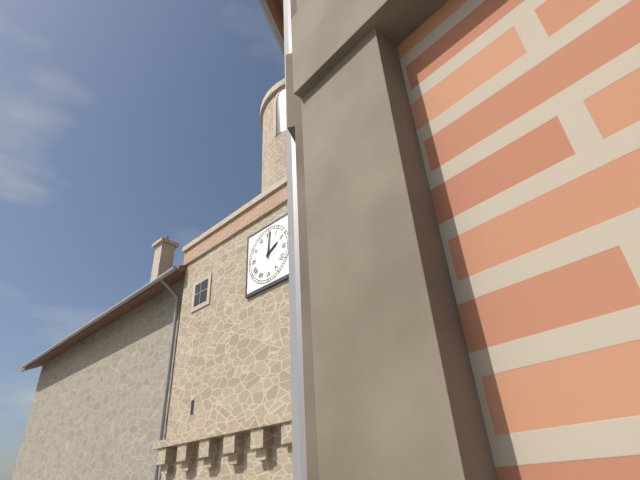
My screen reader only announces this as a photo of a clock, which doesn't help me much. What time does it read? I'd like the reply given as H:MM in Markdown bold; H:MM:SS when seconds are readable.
**2:01**
